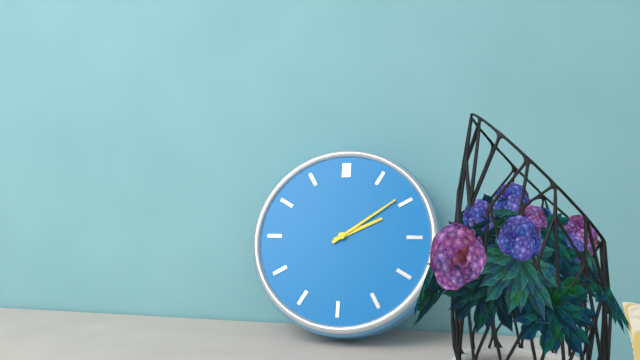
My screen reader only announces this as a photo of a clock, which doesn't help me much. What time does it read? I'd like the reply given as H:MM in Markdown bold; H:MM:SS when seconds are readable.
**2:09**
